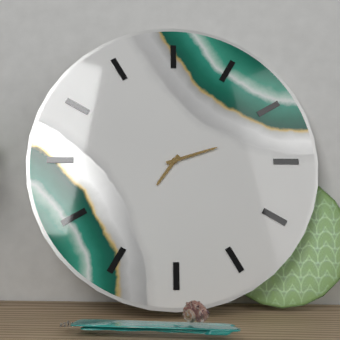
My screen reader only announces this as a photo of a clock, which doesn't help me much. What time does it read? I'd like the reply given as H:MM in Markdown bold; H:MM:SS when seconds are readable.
**7:12**
